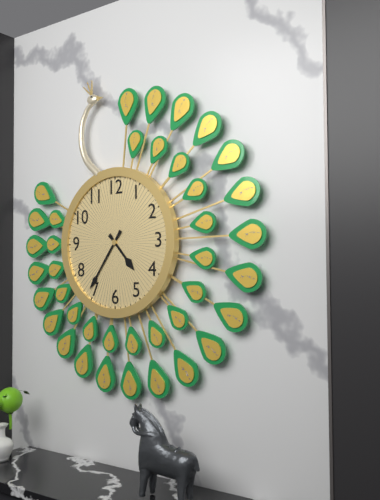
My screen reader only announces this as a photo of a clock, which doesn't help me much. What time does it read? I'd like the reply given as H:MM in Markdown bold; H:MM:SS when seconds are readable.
**4:36**
